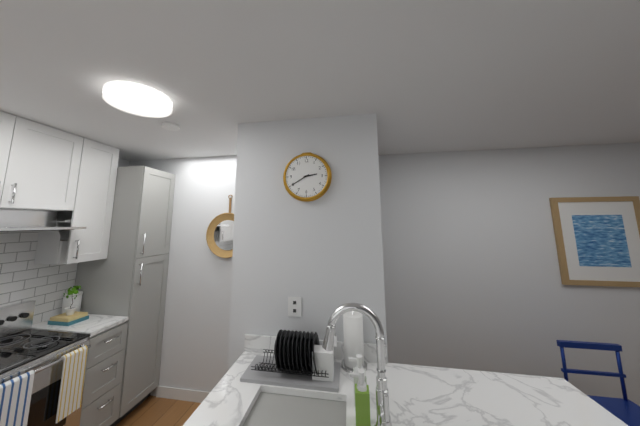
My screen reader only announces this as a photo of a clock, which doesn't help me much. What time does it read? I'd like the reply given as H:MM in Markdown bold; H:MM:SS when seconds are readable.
**2:40**
